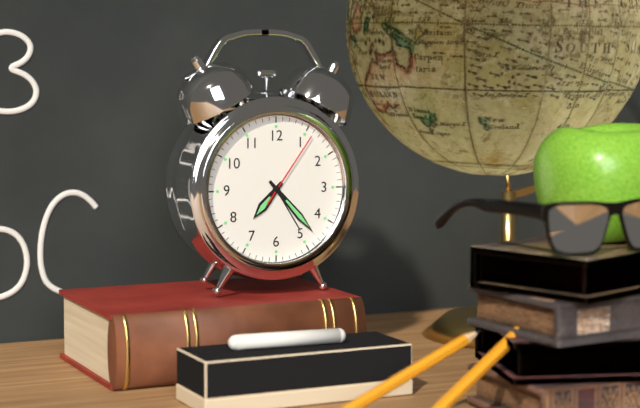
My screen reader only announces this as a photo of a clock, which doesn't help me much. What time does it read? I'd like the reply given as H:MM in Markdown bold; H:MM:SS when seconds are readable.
**7:23:06**
